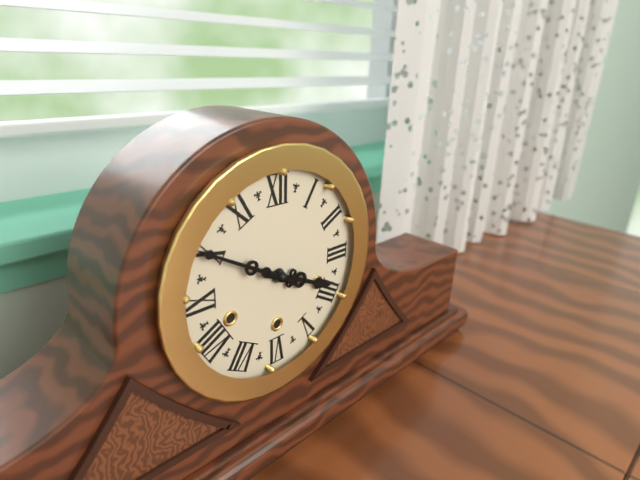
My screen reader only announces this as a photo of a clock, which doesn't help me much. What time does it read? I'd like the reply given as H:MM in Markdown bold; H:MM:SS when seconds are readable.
**3:50**
